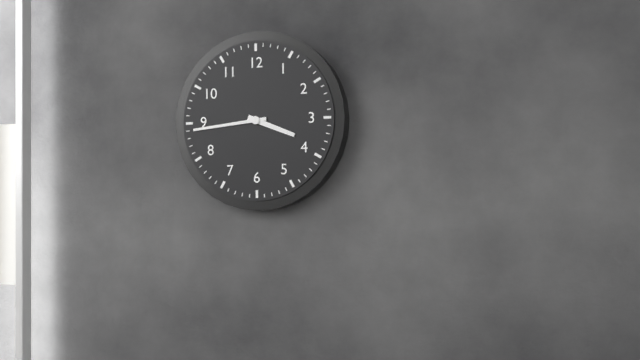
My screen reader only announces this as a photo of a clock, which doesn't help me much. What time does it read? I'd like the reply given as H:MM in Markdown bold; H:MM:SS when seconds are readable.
**3:44**
